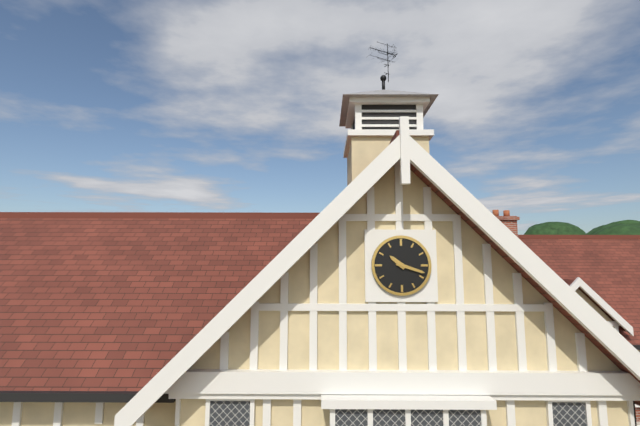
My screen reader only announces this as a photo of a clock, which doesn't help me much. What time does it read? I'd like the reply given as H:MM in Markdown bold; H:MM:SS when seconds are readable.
**10:18**
